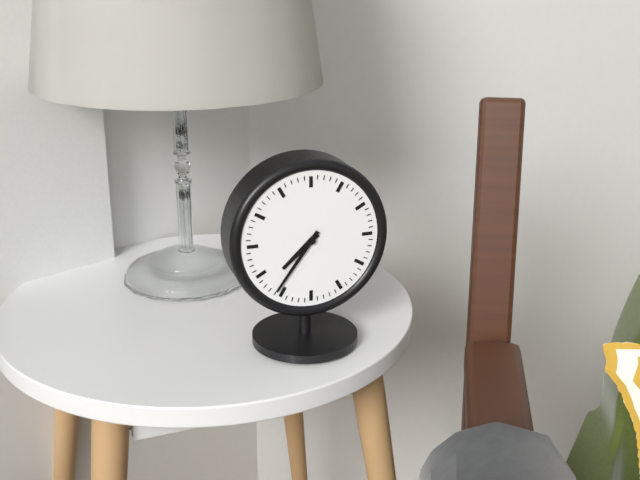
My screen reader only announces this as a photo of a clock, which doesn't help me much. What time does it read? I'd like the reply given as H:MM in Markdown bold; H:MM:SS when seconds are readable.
**7:36**
